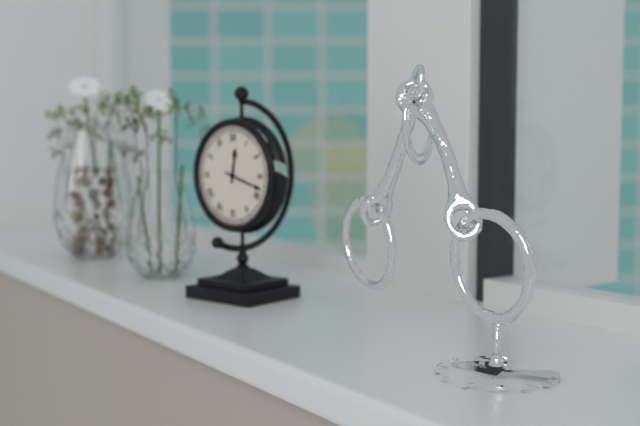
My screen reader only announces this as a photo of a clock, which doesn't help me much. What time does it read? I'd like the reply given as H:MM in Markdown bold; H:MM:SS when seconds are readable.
**12:18**
